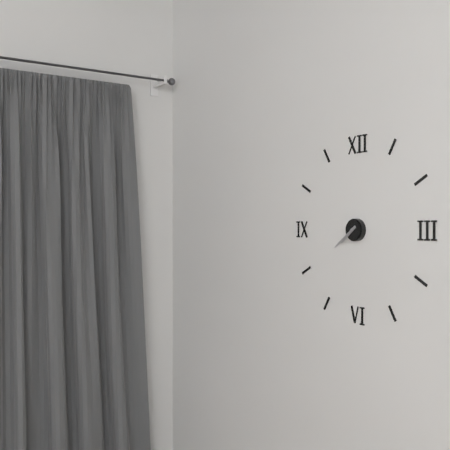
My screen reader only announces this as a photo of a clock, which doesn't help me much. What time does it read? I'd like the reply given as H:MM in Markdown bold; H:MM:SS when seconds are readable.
**7:39**
